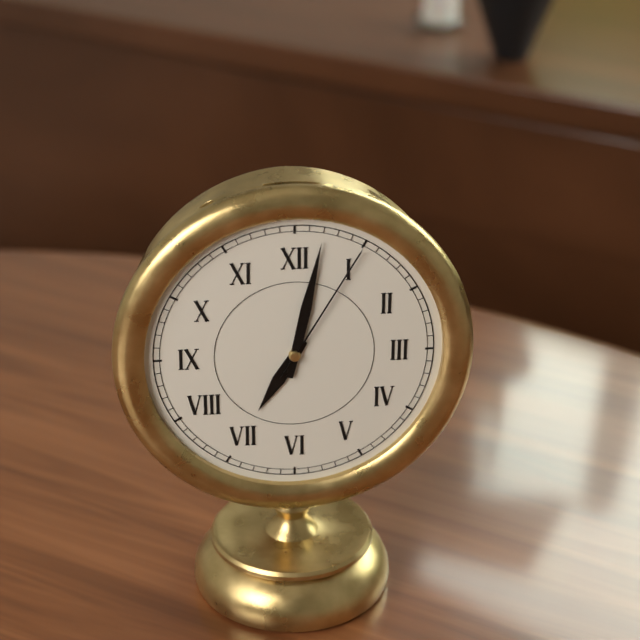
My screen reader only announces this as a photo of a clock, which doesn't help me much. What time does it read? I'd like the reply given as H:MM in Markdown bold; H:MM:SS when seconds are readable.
**7:02:05**
